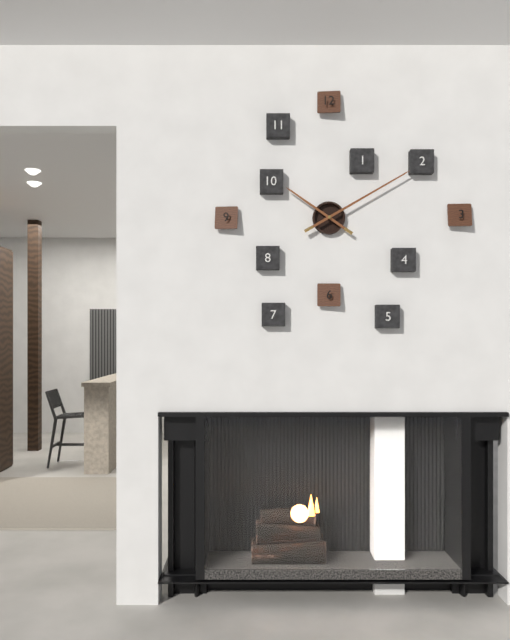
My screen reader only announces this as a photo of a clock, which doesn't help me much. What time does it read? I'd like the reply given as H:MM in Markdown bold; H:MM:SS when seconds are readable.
**10:10**
